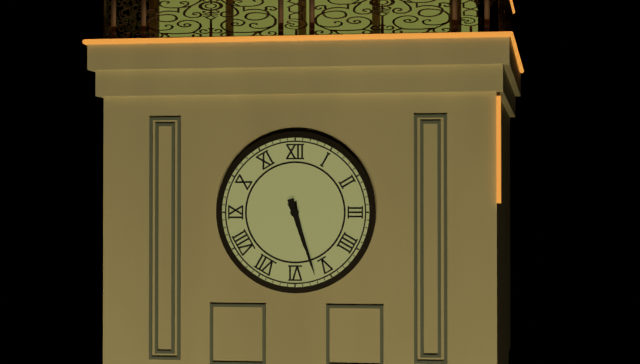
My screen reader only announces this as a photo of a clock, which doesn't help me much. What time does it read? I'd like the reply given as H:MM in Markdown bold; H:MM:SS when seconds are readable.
**5:27**
